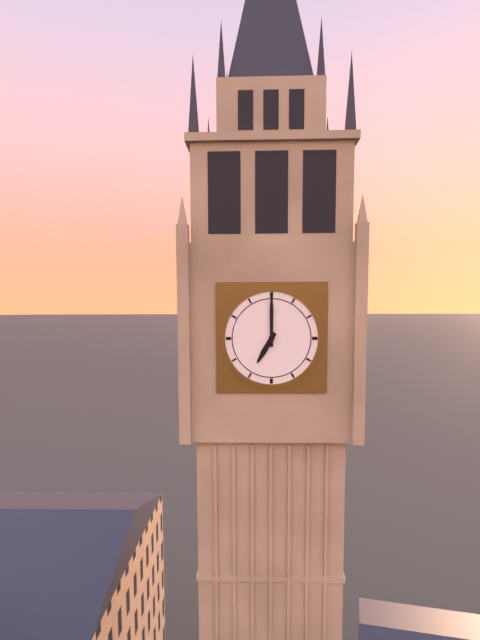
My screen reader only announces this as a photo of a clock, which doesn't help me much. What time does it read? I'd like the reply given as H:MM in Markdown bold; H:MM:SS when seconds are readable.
**7:00**
